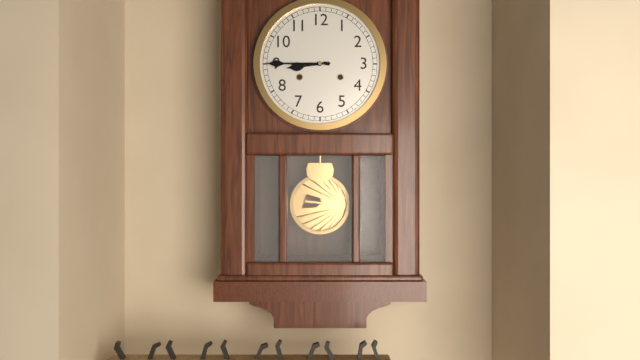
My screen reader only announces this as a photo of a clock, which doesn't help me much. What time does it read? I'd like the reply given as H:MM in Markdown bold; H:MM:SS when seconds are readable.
**8:45**
